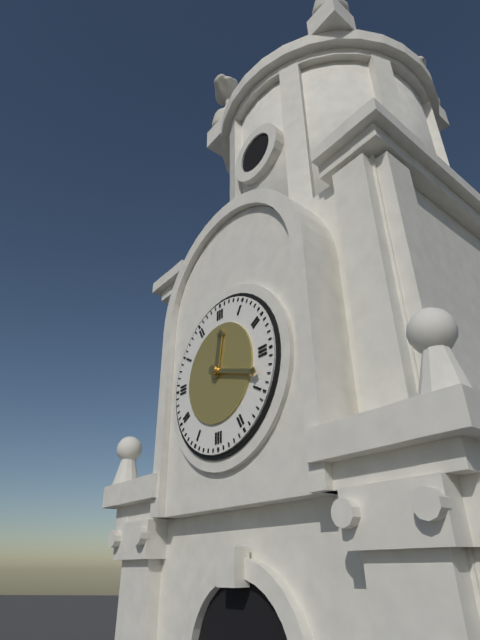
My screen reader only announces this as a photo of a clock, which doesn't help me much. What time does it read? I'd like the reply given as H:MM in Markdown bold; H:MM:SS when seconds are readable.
**12:18**
